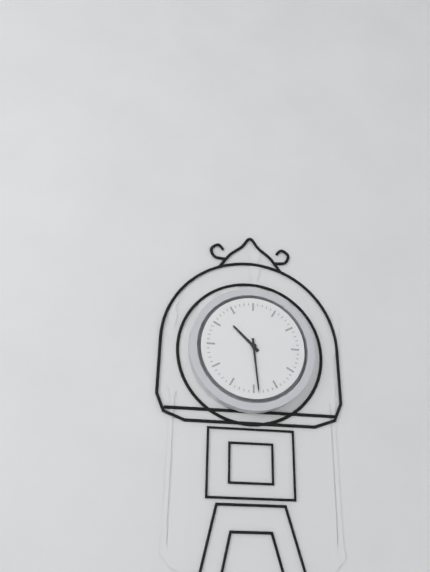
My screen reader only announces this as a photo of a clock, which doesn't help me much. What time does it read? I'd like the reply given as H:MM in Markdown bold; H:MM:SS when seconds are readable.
**10:29**
